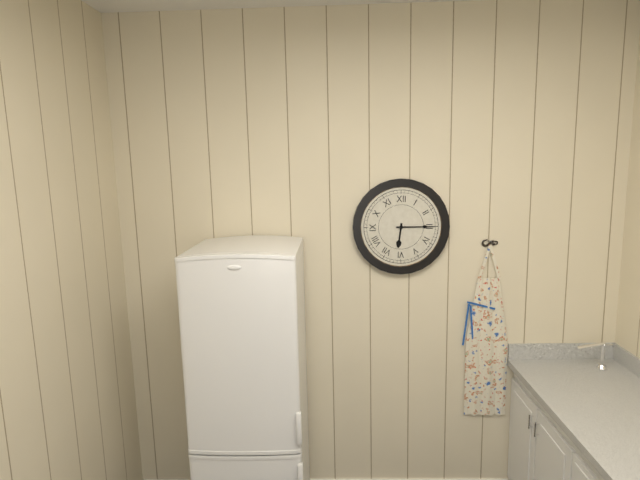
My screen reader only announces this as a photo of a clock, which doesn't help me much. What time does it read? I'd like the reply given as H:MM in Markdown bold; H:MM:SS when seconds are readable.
**6:15**
